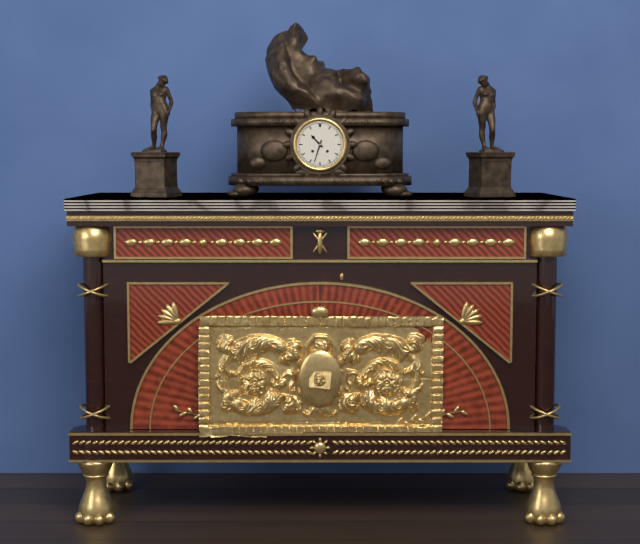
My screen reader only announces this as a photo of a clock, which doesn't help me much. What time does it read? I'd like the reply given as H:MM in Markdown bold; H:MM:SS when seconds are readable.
**10:33**
